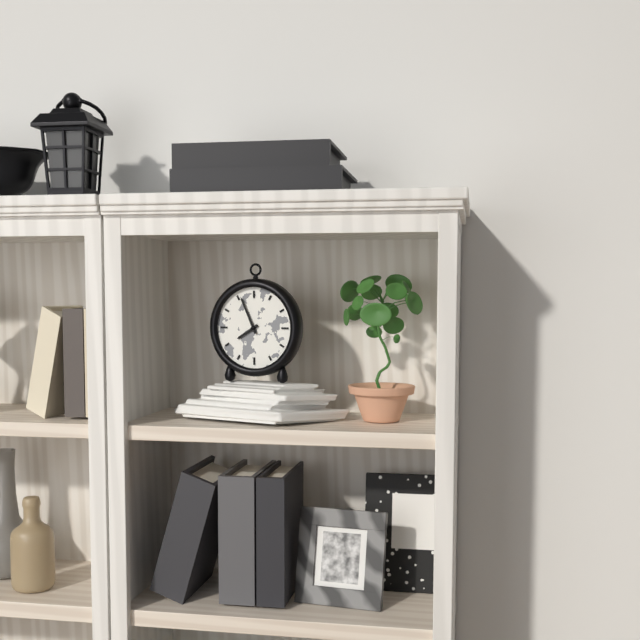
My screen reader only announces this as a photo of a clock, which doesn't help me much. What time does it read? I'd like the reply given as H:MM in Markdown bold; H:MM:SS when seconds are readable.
**7:56**
